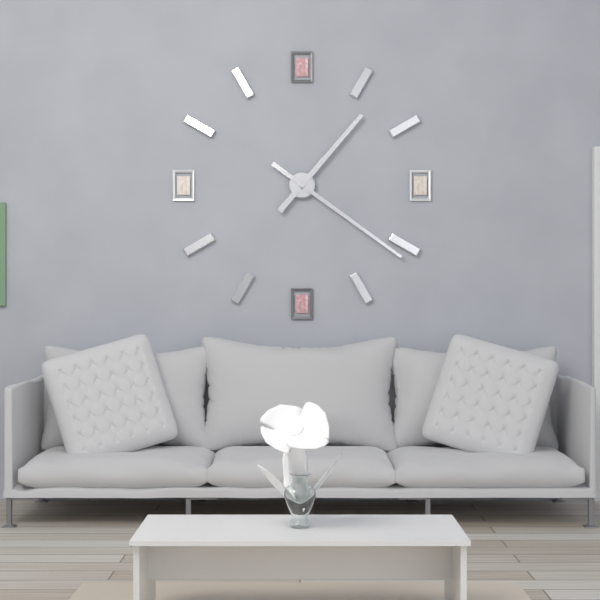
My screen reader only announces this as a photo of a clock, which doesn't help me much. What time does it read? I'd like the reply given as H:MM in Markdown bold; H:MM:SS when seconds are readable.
**1:21**
